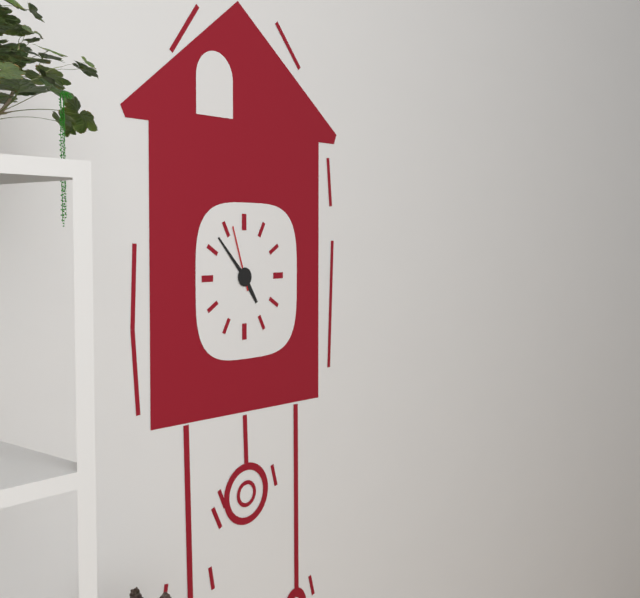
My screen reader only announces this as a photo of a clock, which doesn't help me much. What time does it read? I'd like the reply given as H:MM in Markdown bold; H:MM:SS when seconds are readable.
**4:53:57**
